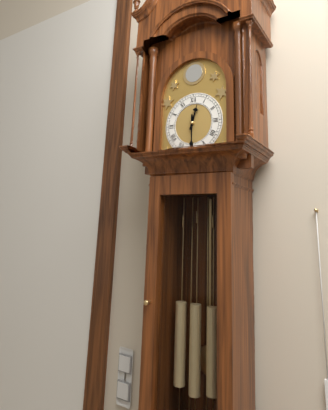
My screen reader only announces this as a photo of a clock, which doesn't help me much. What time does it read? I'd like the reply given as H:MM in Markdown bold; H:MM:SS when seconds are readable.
**12:30**
